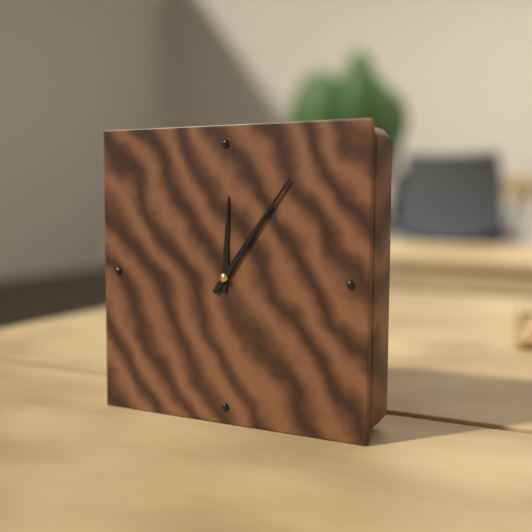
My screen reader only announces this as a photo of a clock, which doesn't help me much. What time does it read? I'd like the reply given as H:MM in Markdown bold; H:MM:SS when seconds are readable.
**12:06**
